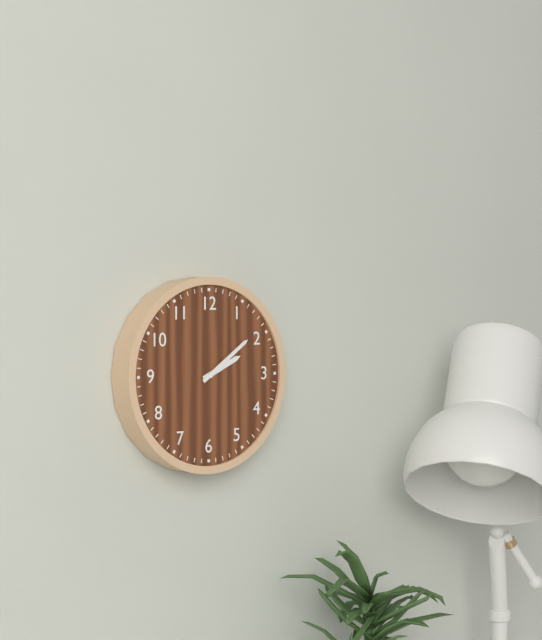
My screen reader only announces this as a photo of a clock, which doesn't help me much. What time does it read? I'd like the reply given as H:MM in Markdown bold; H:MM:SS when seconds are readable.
**2:09**
